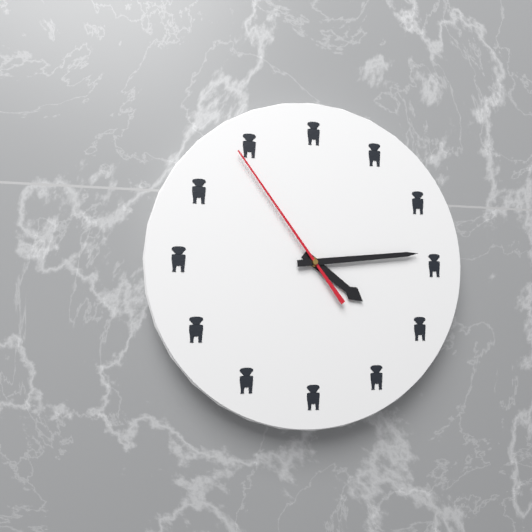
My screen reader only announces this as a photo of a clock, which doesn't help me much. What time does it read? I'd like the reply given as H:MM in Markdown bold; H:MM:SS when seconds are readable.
**4:14:54**
